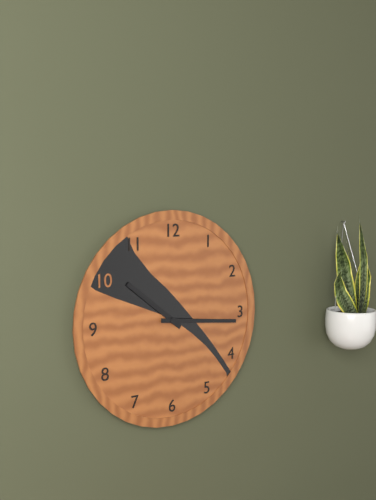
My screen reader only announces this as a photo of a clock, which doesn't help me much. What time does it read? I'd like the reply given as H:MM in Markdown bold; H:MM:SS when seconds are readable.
**10:16**
